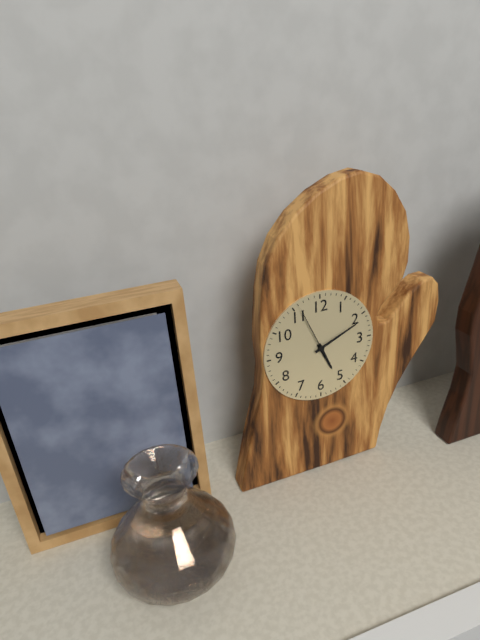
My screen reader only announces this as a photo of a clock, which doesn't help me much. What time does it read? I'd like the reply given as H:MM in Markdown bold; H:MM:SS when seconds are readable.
**5:11:56**
